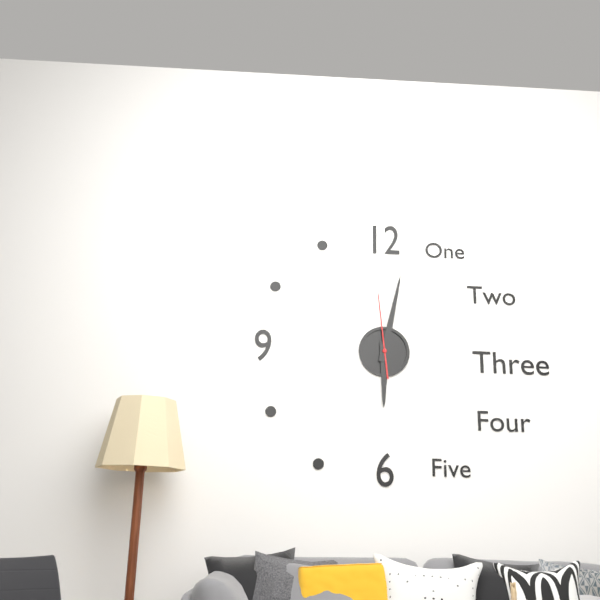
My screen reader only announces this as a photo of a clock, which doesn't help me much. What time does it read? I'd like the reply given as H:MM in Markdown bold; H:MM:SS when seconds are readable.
**6:02:59**
